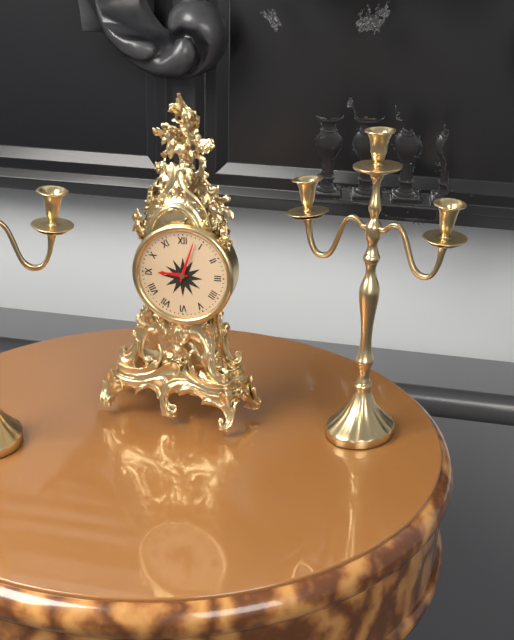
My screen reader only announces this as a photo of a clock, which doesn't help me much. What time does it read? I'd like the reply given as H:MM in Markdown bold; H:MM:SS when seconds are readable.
**9:03**
